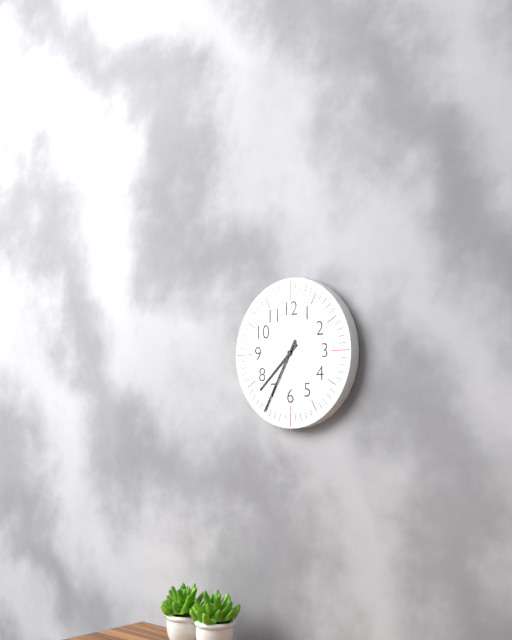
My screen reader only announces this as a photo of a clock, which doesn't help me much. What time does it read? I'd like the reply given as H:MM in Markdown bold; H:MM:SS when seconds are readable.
**7:35**
